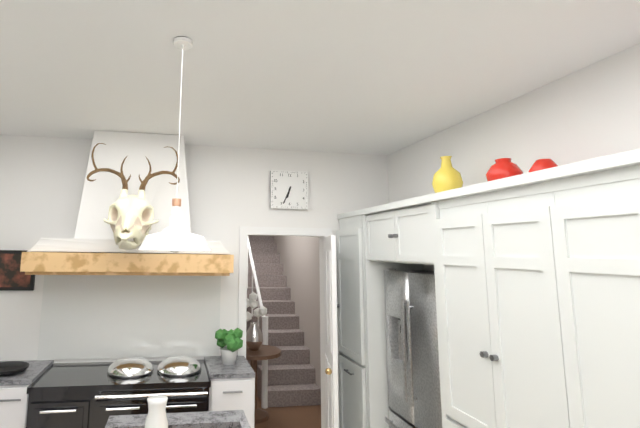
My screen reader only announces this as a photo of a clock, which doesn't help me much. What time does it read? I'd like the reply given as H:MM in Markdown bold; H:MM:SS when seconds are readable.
**6:34**
